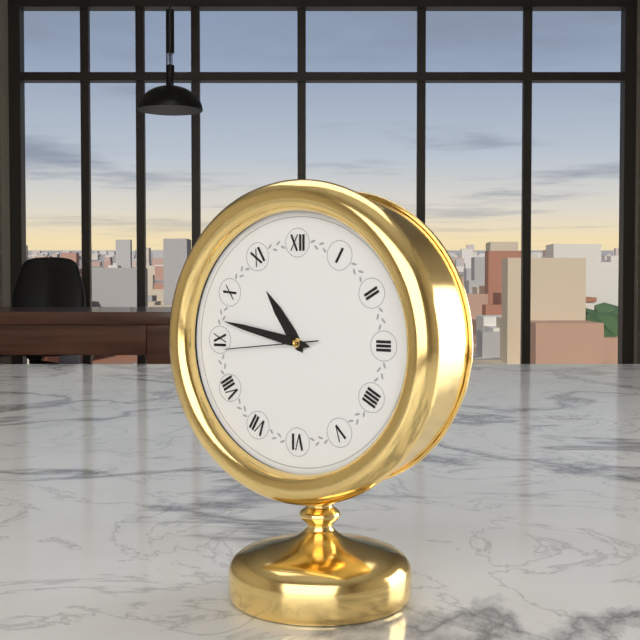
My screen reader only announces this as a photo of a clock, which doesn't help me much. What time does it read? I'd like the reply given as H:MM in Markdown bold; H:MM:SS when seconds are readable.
**10:47:44**
